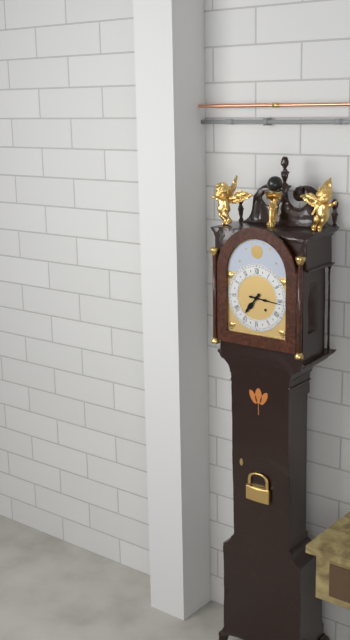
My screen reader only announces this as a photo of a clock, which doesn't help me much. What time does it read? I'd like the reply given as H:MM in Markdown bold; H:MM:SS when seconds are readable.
**7:16**
